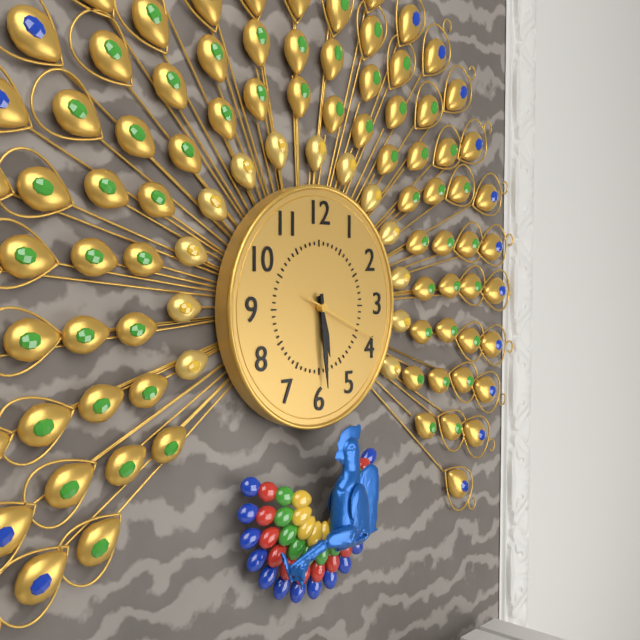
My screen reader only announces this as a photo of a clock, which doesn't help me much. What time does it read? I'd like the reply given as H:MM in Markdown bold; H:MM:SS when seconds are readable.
**5:29:19**
